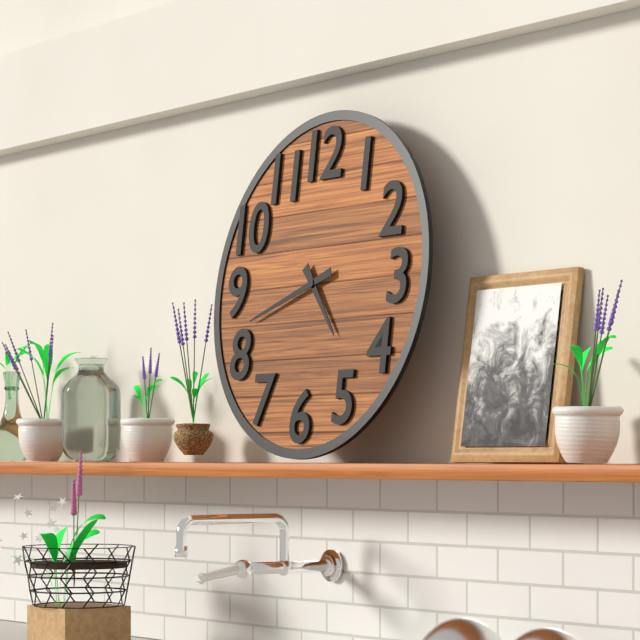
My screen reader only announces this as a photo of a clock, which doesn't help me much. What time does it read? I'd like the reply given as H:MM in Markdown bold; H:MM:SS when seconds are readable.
**4:42**
